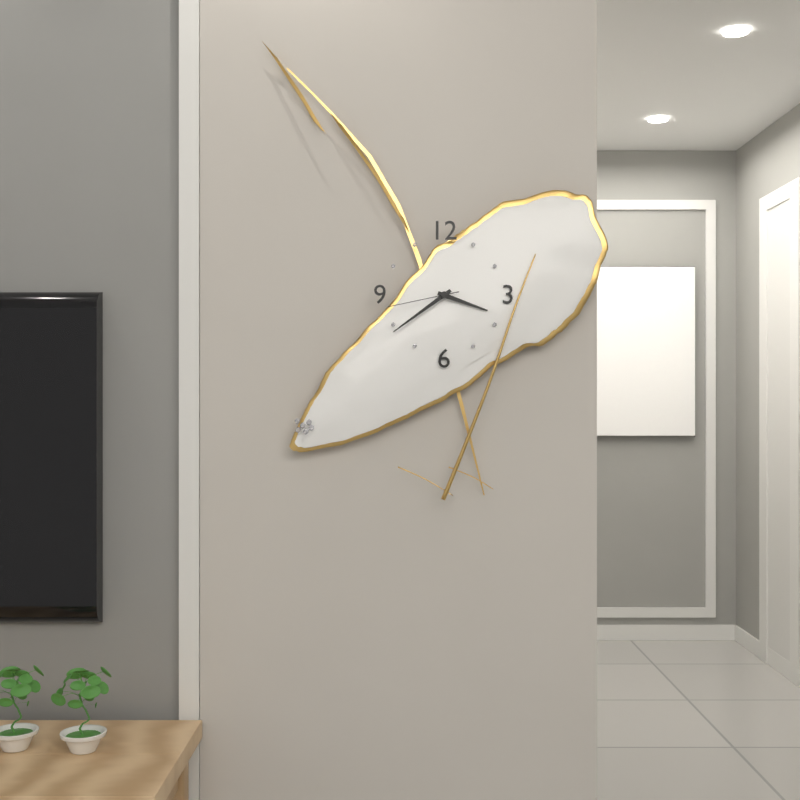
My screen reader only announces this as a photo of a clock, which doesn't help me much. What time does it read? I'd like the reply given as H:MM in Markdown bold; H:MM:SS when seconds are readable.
**3:39:43**
